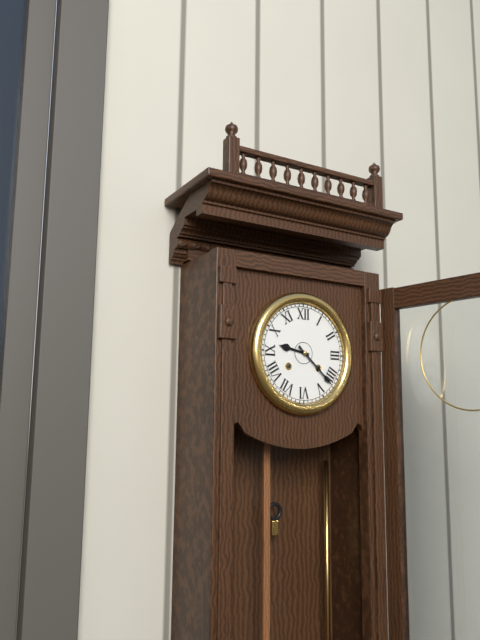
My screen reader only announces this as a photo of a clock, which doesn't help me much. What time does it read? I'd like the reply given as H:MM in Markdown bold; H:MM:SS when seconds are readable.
**9:22**
